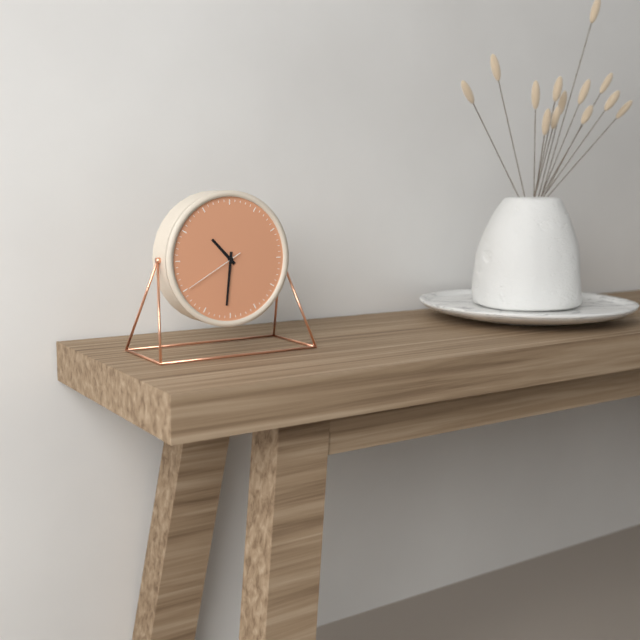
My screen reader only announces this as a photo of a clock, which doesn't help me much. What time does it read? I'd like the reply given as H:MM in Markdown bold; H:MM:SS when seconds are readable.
**10:31:40**
